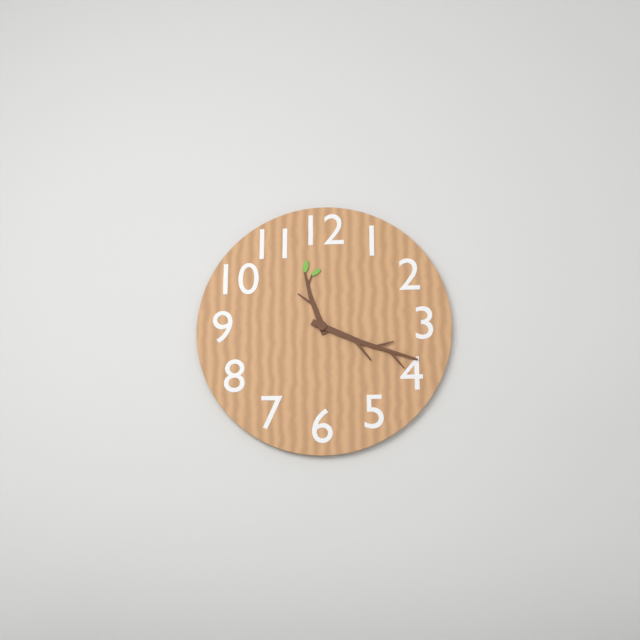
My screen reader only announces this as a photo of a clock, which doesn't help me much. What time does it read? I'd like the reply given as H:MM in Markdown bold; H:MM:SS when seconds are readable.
**11:19**
